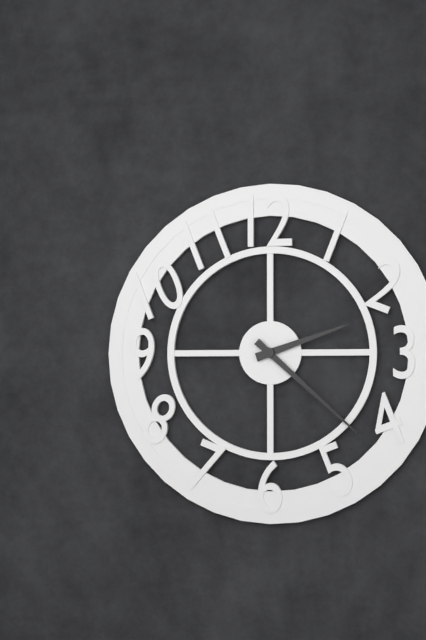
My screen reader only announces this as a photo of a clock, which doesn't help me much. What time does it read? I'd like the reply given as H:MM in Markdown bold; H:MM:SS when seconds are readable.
**2:22**
